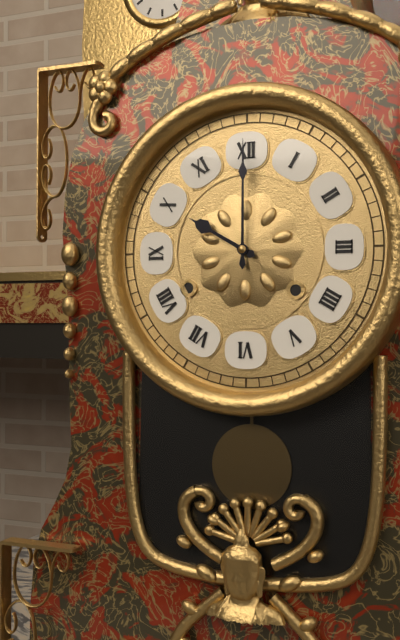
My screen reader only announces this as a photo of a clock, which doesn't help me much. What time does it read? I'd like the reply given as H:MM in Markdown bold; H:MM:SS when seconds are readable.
**10:00**
